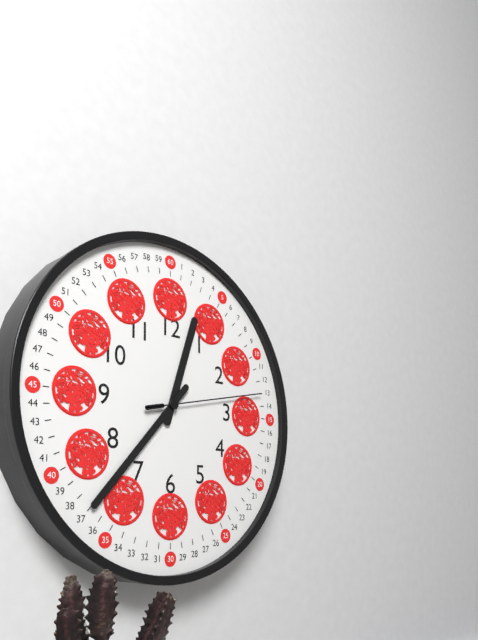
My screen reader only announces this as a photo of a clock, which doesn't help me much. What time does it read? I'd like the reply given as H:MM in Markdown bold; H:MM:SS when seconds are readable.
**12:37:13**
